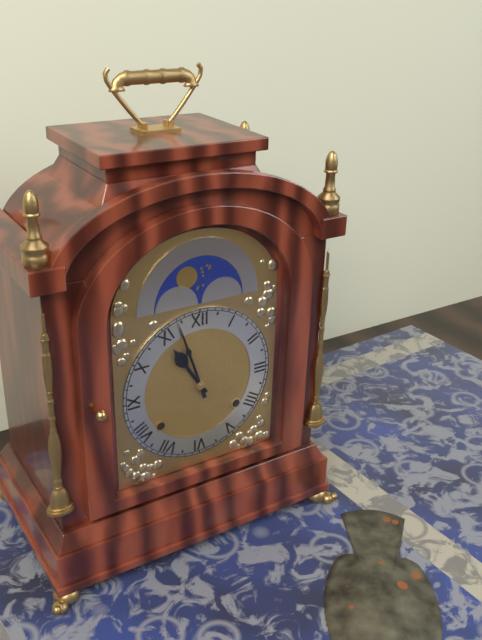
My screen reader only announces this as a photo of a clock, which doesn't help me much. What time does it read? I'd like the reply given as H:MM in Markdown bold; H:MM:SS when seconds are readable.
**10:57**
